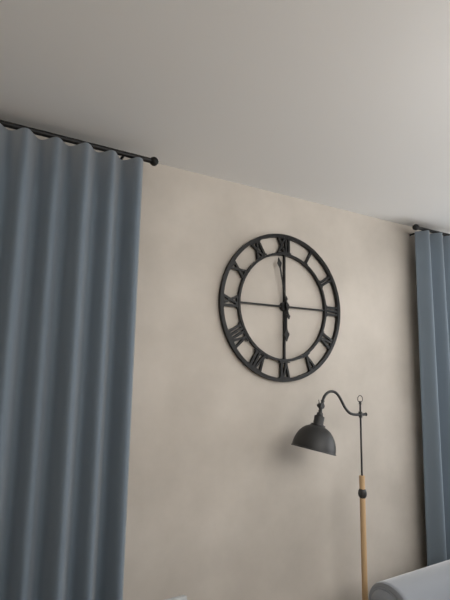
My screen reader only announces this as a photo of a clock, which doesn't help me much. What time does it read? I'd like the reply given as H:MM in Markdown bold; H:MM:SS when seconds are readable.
**5:58**
